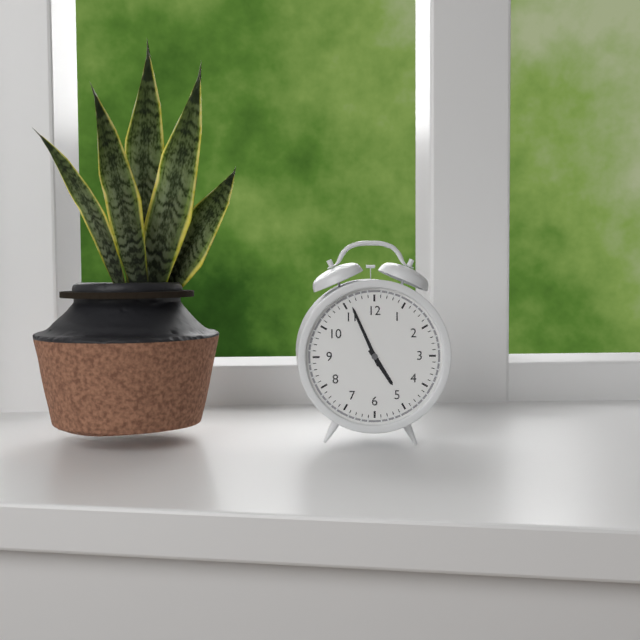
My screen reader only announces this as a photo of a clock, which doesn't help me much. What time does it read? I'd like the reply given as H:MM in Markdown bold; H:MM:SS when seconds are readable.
**4:56**
